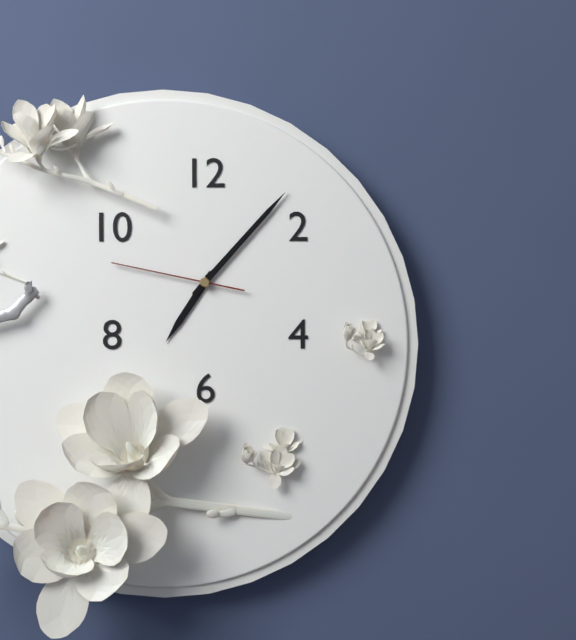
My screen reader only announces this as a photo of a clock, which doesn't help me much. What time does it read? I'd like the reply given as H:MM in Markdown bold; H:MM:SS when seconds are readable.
**7:07:47**
